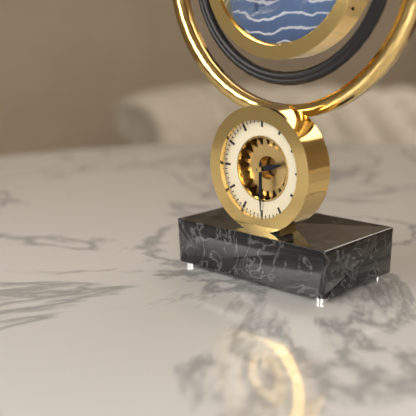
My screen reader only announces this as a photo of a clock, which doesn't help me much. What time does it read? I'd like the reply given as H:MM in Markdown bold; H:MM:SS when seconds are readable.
**2:30**
